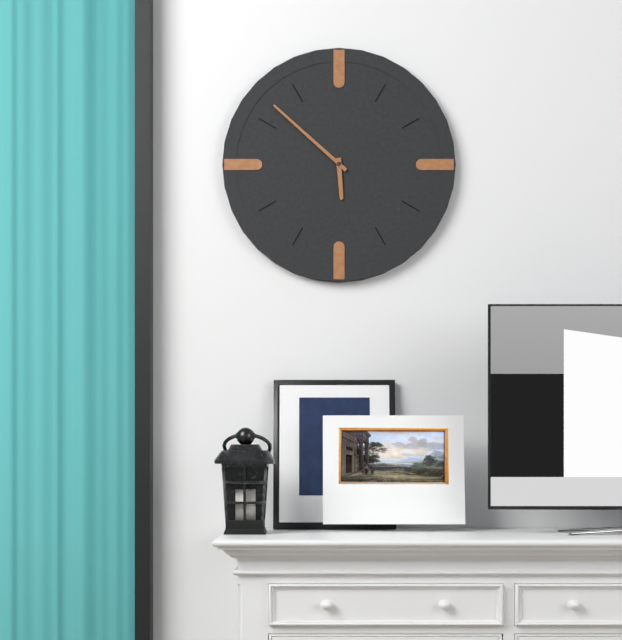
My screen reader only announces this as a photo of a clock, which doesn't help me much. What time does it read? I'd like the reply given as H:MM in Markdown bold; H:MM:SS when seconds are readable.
**5:52**
